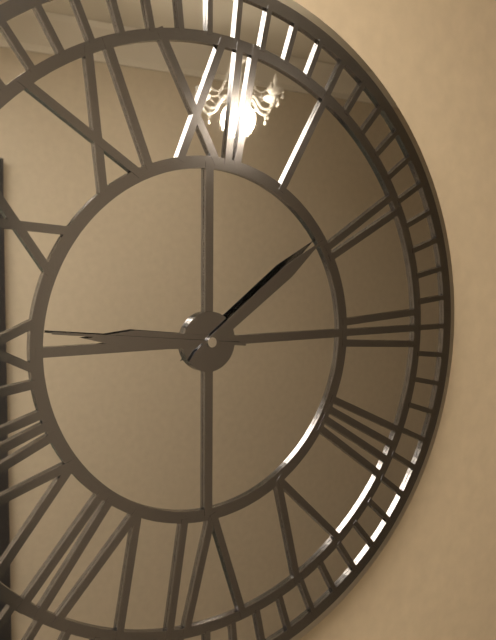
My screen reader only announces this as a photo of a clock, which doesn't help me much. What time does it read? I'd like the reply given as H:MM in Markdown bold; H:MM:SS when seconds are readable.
**9:09:46**
